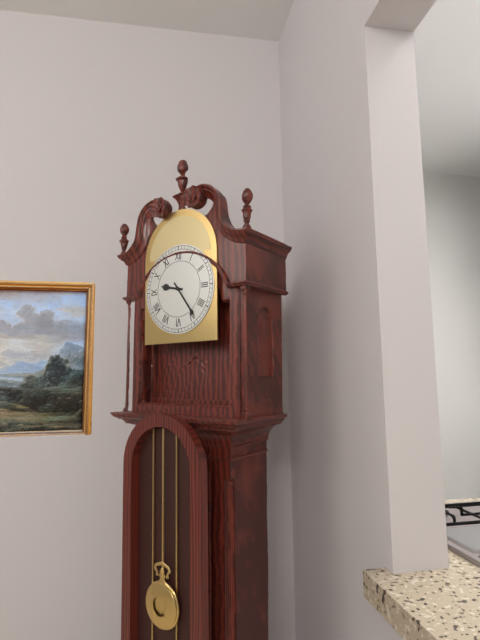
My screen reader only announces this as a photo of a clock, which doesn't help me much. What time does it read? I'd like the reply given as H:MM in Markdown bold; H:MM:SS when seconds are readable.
**9:24**
